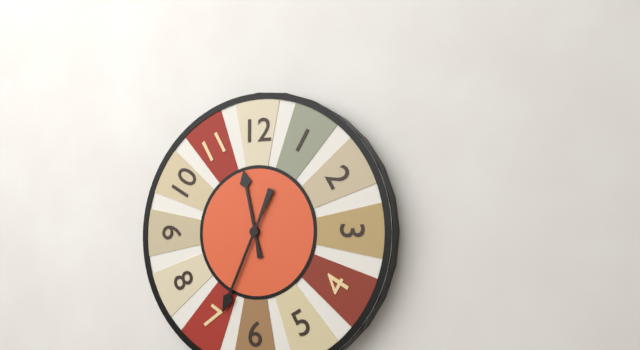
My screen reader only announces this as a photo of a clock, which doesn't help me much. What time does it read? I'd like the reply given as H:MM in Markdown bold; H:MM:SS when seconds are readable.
**11:34**
